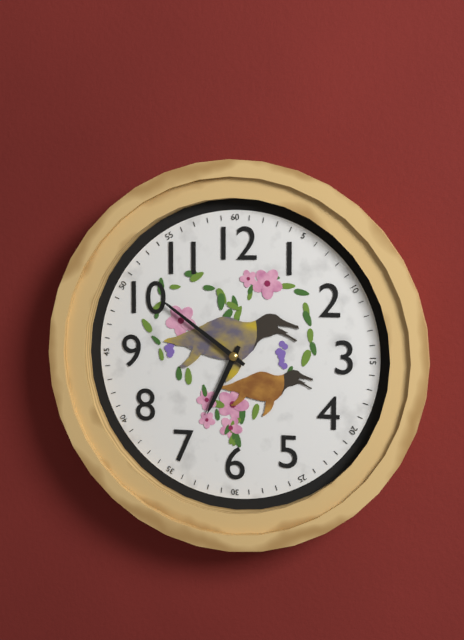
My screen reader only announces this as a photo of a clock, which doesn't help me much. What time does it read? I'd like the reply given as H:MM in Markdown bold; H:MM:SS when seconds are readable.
**6:51**
